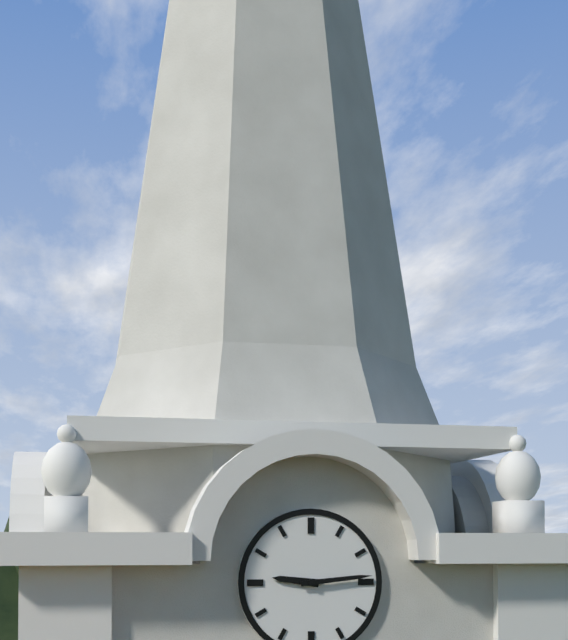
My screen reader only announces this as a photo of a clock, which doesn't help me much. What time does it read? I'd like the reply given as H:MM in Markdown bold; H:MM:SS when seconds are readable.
**9:14**
